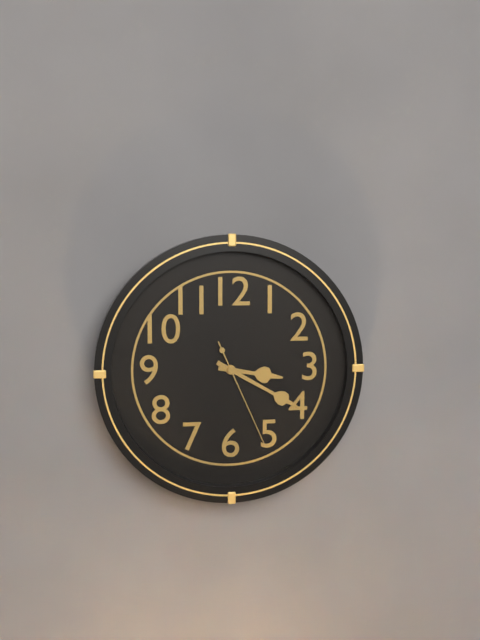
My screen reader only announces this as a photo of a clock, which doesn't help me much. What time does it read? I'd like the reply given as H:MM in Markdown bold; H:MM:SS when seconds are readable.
**3:20:26**
